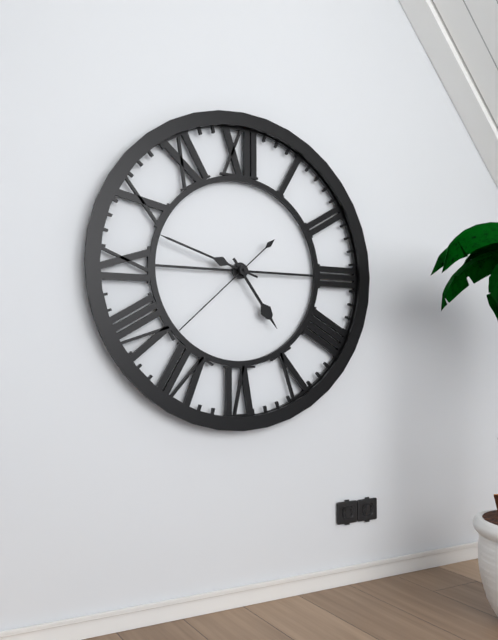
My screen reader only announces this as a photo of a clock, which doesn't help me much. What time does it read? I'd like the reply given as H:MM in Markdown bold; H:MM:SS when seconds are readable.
**4:48:38**
